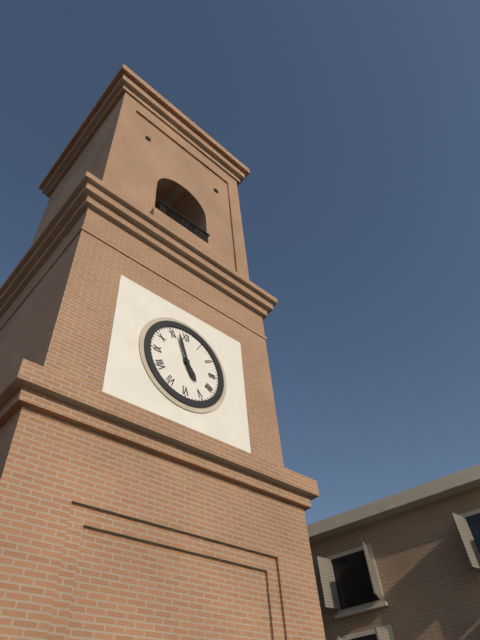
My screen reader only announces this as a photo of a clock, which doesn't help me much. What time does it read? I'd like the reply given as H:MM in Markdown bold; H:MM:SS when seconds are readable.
**4:57**
